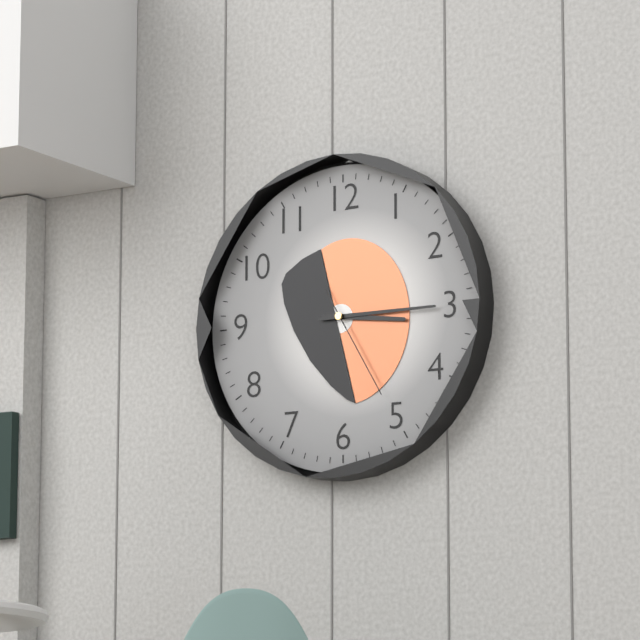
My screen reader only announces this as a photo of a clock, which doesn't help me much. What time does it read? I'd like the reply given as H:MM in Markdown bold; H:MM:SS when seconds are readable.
**3:15:25**
